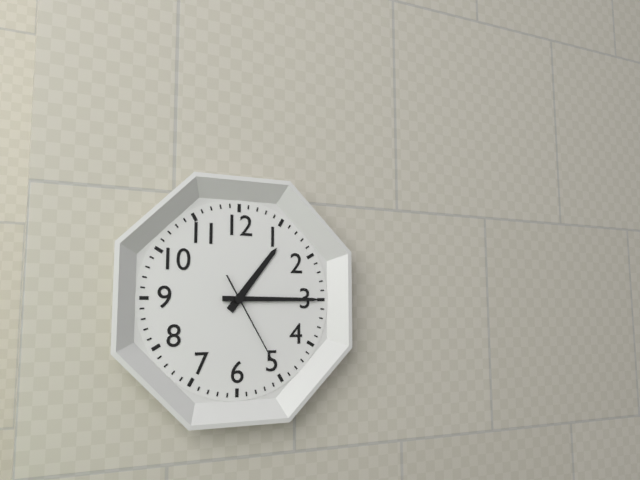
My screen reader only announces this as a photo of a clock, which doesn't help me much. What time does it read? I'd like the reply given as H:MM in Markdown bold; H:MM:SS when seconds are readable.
**1:15:25**
